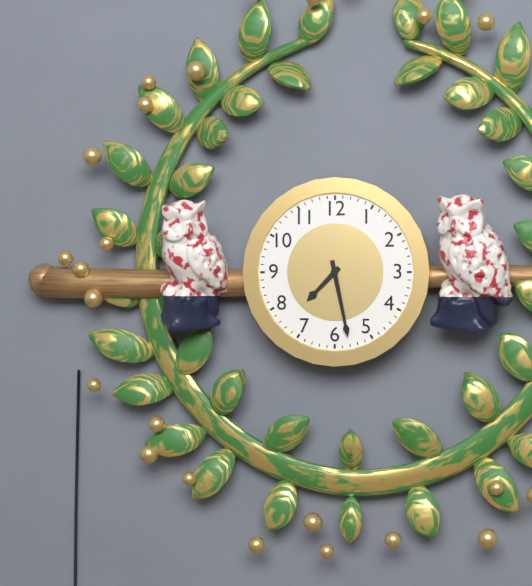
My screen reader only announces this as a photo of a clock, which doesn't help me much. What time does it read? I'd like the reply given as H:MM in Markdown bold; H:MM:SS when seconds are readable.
**7:28**
